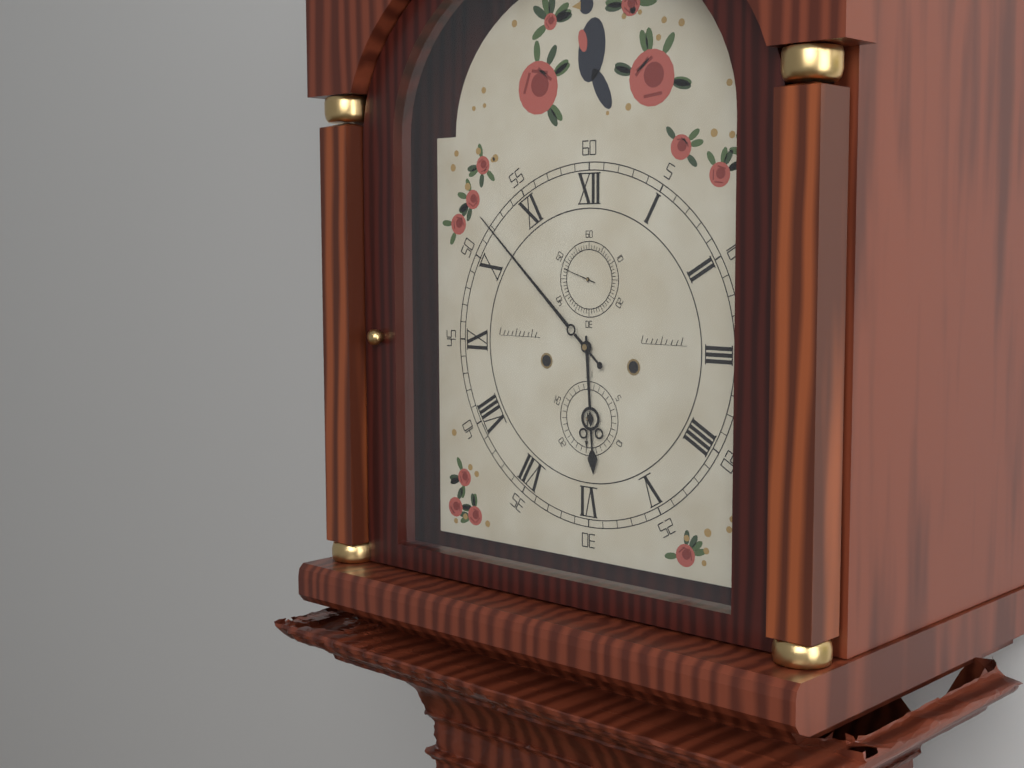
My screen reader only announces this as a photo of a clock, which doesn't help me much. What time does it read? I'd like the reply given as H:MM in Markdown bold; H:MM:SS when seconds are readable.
**5:52**
